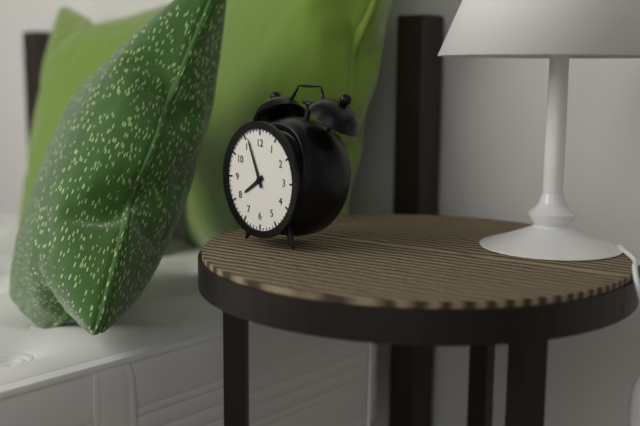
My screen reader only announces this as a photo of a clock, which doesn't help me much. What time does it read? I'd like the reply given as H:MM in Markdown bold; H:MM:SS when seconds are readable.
**7:56**
